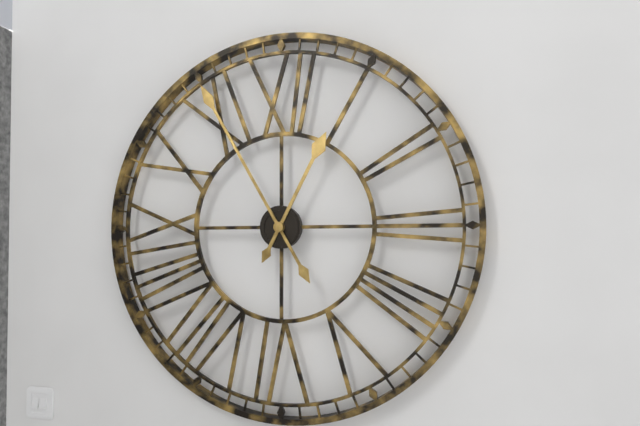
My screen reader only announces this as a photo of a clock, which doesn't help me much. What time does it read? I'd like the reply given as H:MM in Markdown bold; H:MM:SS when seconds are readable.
**12:55**
